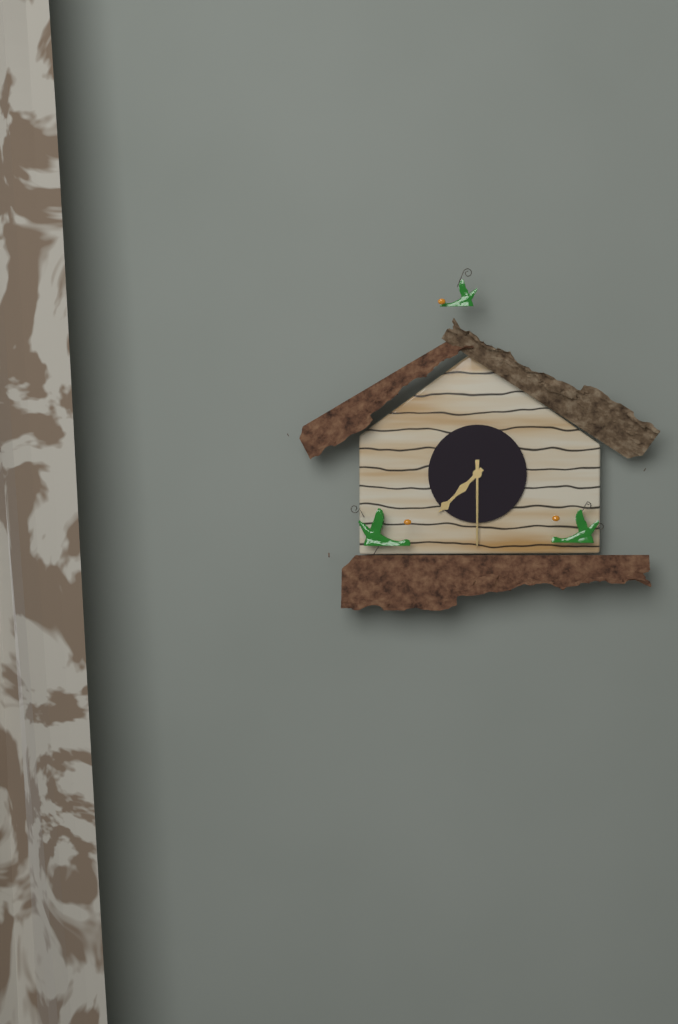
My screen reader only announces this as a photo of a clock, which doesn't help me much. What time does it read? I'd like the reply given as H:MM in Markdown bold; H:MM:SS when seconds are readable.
**7:30**
